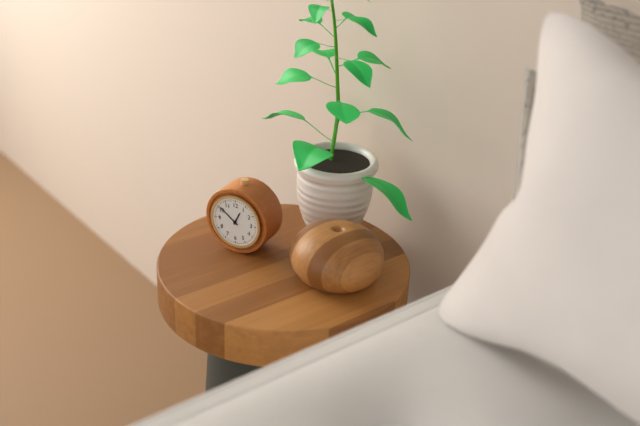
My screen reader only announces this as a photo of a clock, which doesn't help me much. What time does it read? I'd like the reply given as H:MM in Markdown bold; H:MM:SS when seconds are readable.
**12:51**
